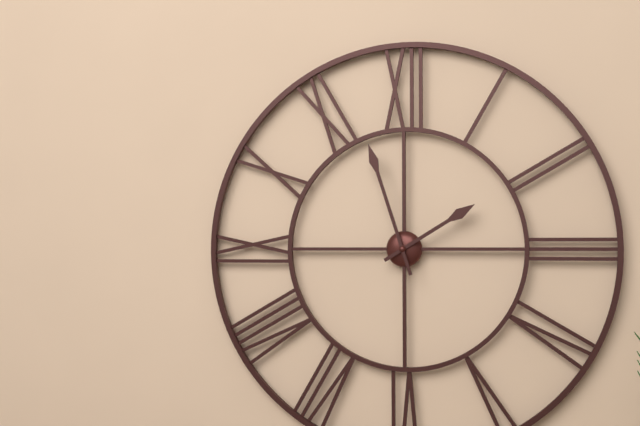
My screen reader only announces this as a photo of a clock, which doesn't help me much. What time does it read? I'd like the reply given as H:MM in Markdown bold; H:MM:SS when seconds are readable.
**1:57**
